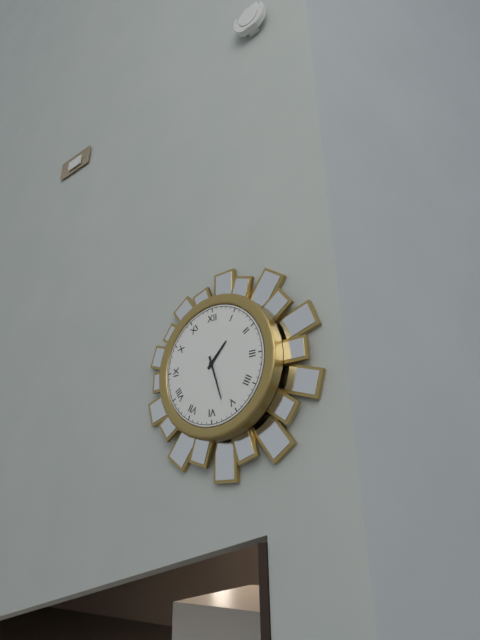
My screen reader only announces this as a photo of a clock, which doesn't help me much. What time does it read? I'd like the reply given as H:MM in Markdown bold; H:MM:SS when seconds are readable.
**1:27**
